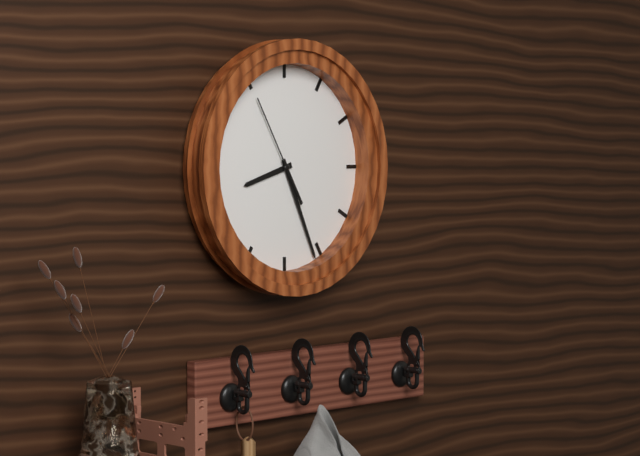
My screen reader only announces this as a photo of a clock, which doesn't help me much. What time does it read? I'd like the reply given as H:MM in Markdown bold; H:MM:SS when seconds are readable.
**8:26:55**
